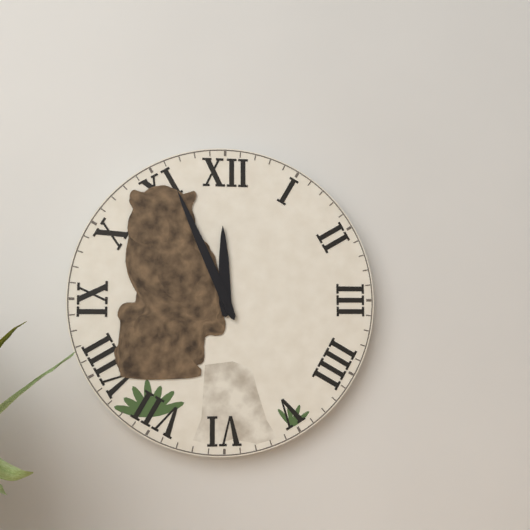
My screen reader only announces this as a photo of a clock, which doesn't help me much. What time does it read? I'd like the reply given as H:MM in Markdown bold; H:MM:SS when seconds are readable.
**11:56**
